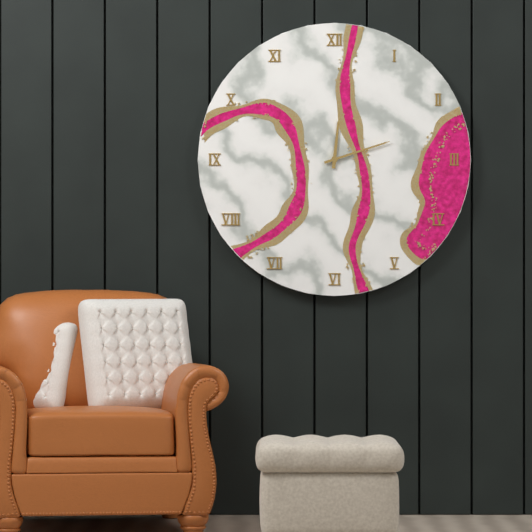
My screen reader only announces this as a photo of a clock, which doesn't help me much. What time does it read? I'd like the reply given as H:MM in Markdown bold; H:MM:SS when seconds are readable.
**12:12**
